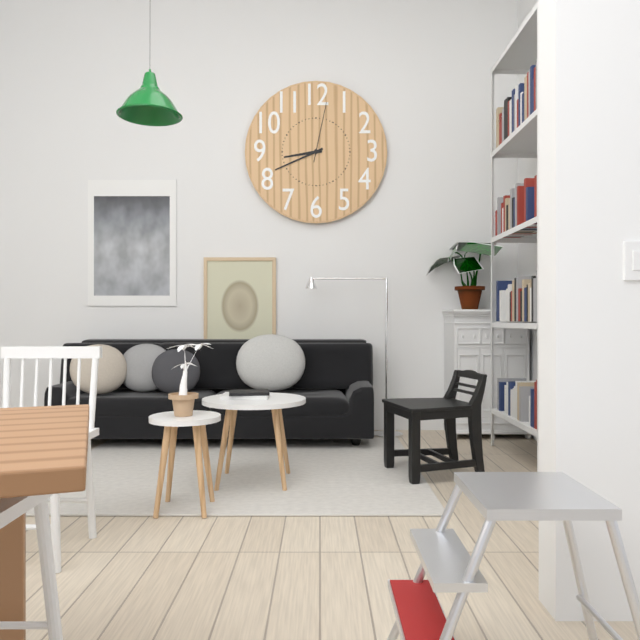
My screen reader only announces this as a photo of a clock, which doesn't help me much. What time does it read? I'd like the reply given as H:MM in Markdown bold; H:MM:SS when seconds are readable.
**8:41:02**
